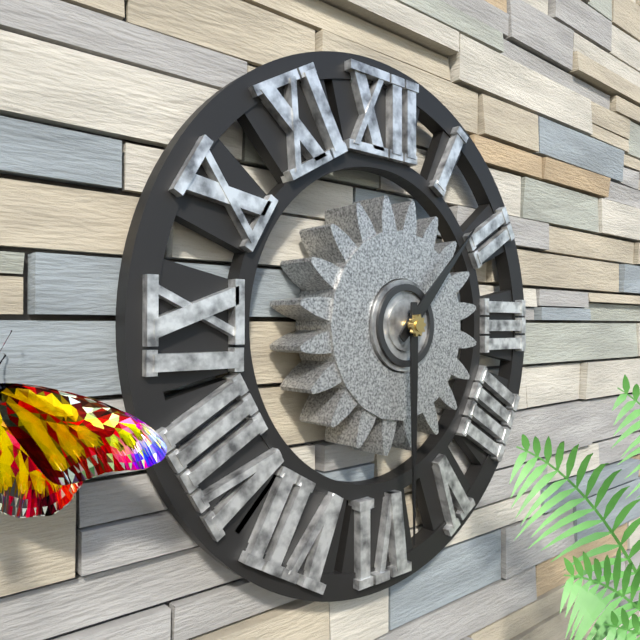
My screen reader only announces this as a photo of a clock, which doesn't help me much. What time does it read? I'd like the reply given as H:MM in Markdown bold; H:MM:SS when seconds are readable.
**1:30**
